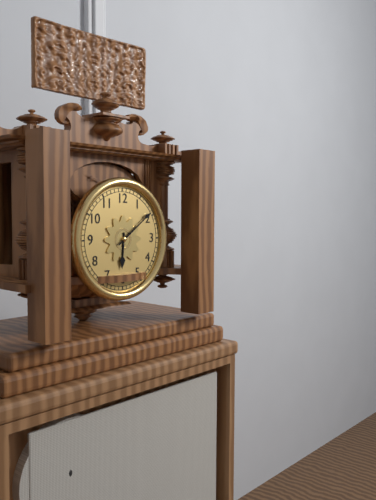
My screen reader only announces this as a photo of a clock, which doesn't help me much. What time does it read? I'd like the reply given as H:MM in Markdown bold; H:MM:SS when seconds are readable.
**6:09**
